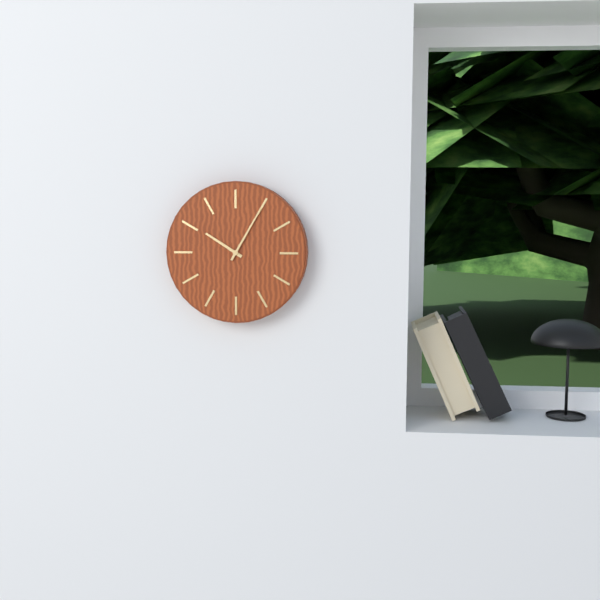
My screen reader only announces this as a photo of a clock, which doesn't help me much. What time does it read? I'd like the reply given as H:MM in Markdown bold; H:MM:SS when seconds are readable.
**10:05**
